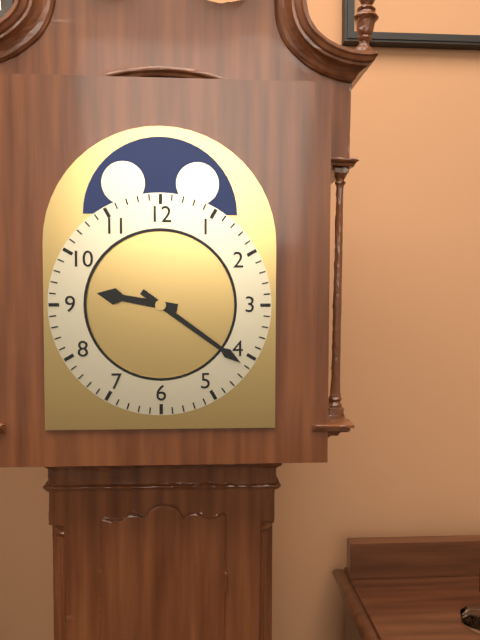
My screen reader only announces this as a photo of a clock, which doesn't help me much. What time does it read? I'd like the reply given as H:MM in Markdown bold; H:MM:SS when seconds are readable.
**9:21**
